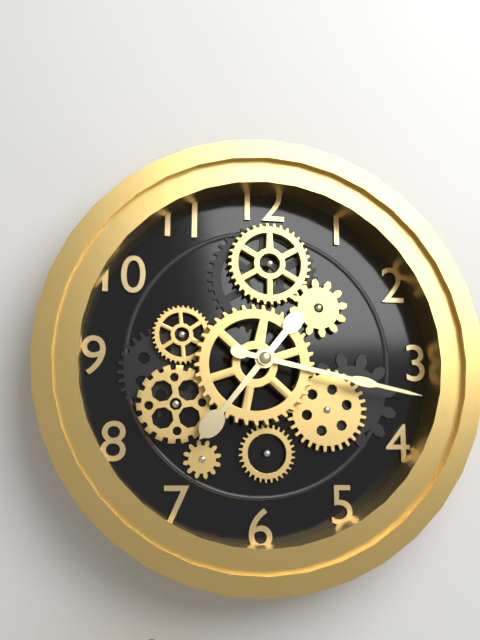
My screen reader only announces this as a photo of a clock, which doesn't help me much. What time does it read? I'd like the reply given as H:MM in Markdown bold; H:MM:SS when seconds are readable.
**7:17**
